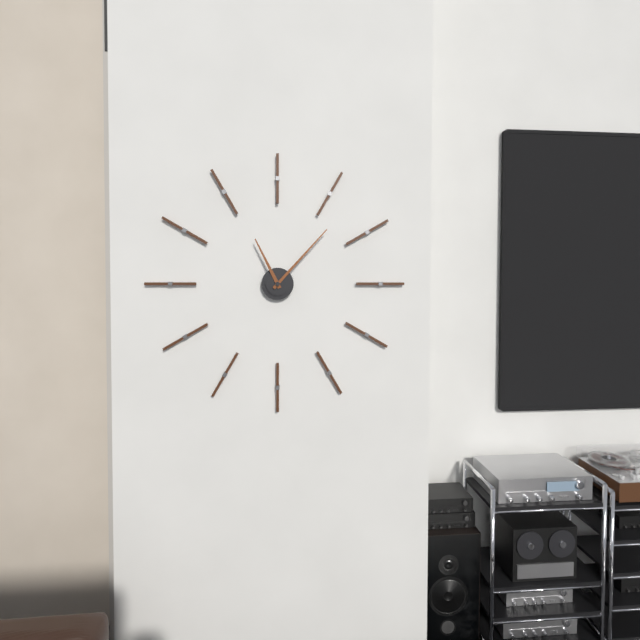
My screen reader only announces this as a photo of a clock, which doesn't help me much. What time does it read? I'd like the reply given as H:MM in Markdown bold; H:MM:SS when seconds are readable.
**11:07**
